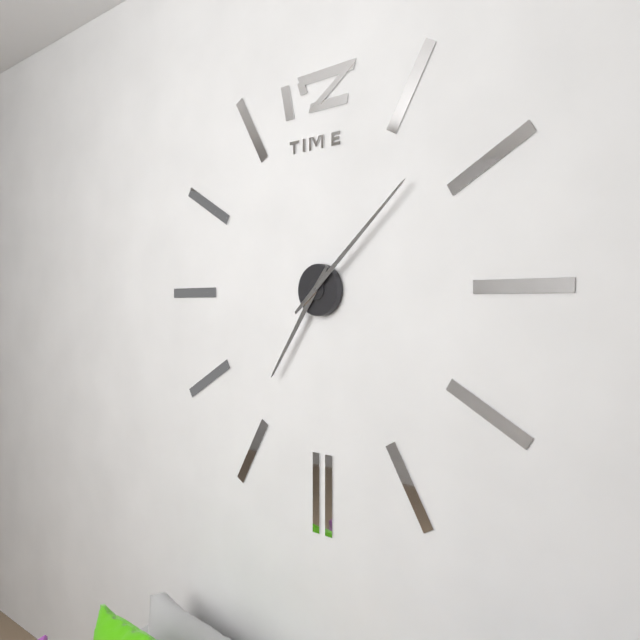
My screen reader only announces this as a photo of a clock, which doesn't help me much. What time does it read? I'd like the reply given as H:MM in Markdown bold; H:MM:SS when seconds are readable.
**7:08**
